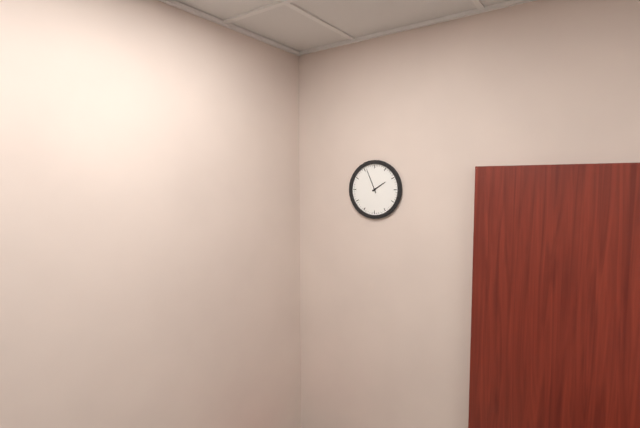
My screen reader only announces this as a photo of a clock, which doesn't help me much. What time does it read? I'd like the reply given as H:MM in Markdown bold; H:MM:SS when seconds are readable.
**1:56**
